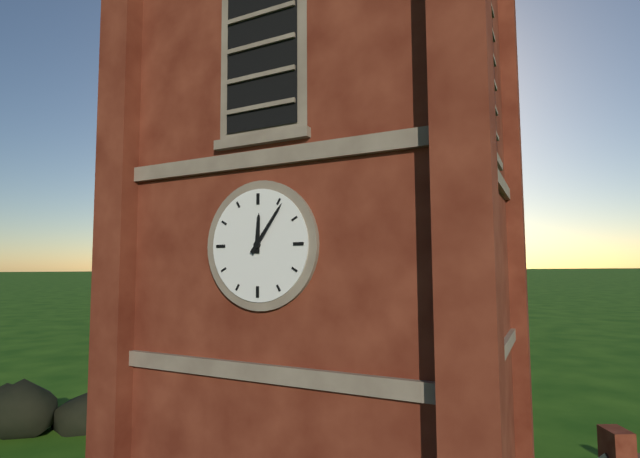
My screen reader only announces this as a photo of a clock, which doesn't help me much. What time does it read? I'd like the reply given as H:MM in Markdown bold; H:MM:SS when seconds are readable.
**12:06**
